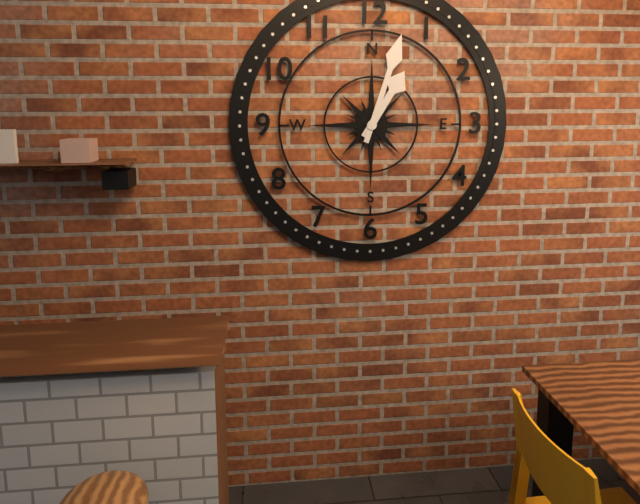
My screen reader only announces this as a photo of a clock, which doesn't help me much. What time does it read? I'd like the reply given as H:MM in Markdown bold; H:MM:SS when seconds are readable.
**1:03**
